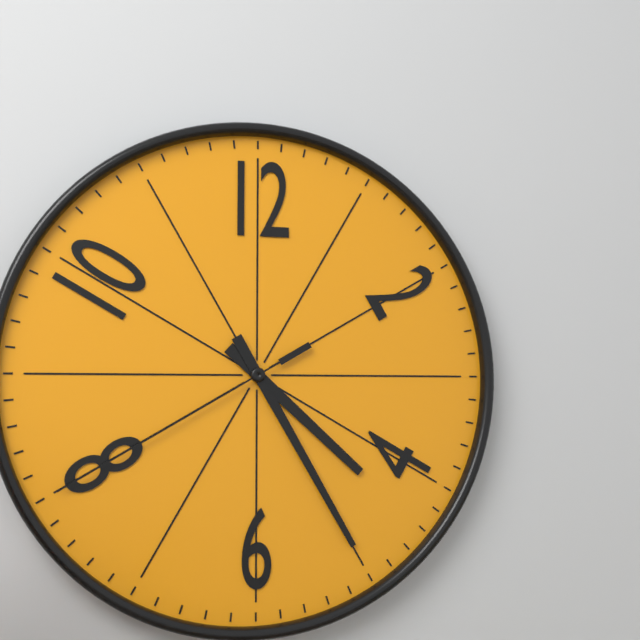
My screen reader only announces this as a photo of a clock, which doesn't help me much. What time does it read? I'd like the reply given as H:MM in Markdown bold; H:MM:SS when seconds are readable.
**4:25:40**
